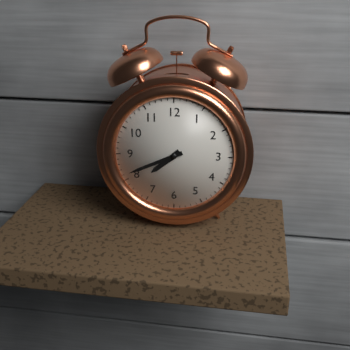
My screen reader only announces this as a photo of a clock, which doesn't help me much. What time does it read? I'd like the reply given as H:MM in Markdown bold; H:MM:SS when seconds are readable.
**7:41**
